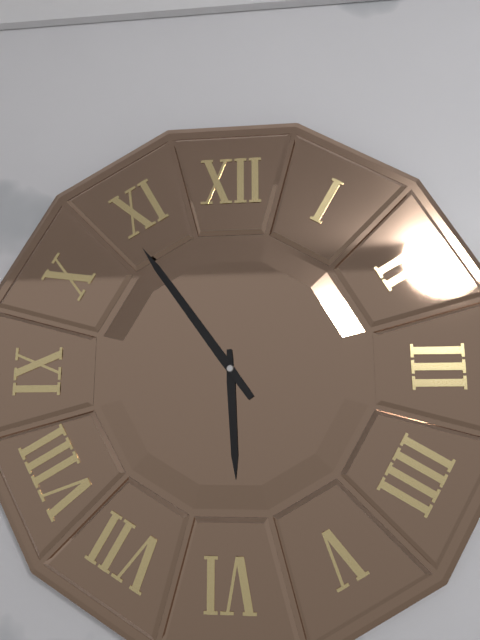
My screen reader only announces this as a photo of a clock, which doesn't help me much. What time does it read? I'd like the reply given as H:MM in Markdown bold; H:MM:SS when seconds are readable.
**5:54**
